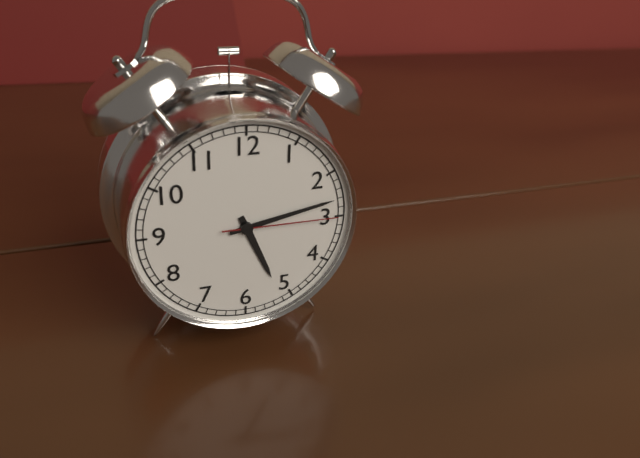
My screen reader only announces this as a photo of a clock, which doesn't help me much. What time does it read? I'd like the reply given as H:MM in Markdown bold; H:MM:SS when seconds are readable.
**5:13:15**
